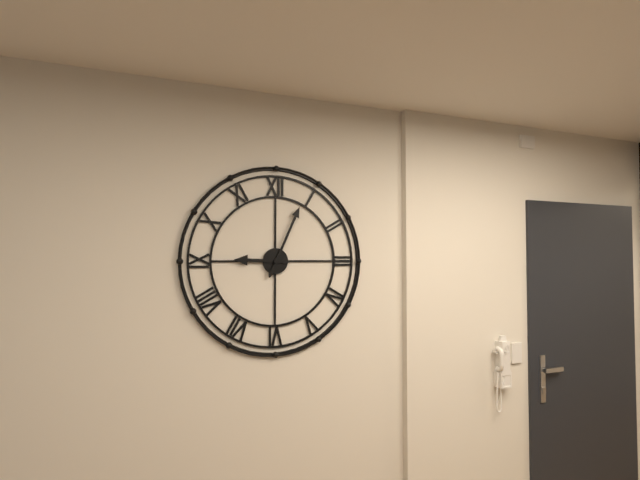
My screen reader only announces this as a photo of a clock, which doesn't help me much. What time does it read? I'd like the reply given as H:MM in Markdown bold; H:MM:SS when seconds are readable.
**9:04**
